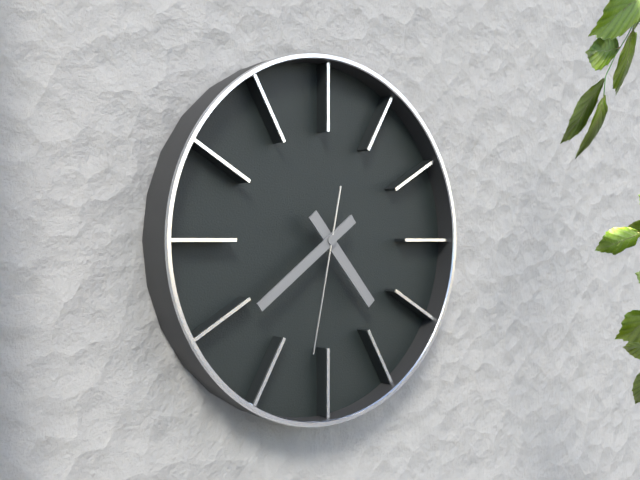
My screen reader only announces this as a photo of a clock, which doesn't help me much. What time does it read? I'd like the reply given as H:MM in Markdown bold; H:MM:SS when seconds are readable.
**4:39:32**
